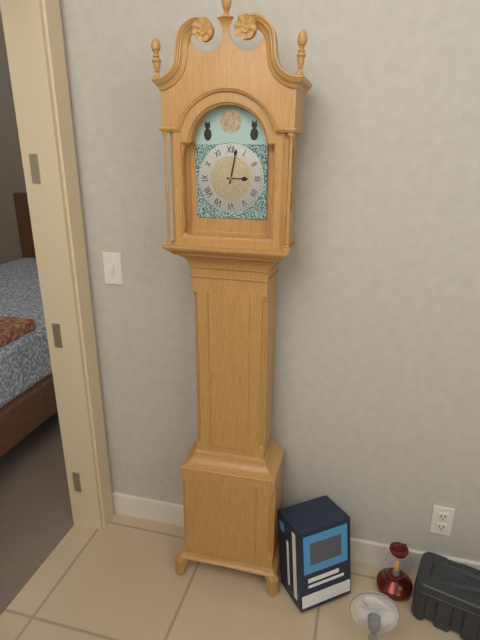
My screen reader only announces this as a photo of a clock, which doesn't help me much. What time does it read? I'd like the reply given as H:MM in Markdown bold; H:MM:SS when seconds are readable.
**3:02**
